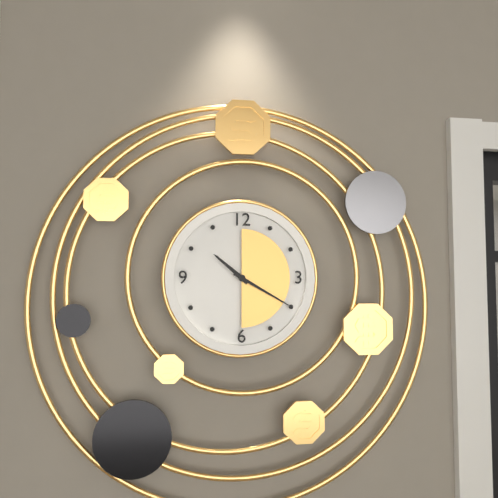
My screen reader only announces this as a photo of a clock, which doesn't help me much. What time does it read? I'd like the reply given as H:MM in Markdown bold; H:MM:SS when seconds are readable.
**10:20**
